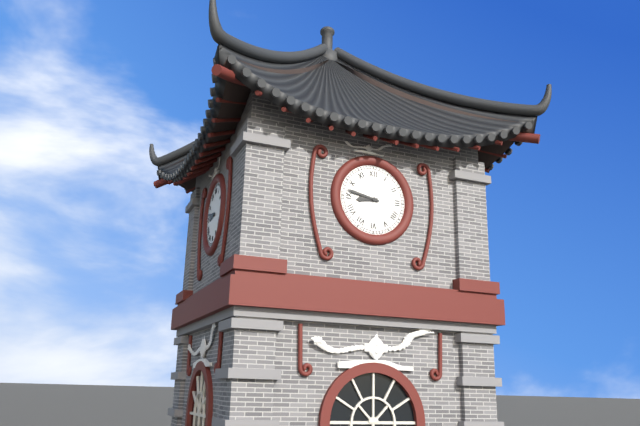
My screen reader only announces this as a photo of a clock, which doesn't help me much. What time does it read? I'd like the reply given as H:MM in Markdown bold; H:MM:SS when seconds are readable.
**8:47**
